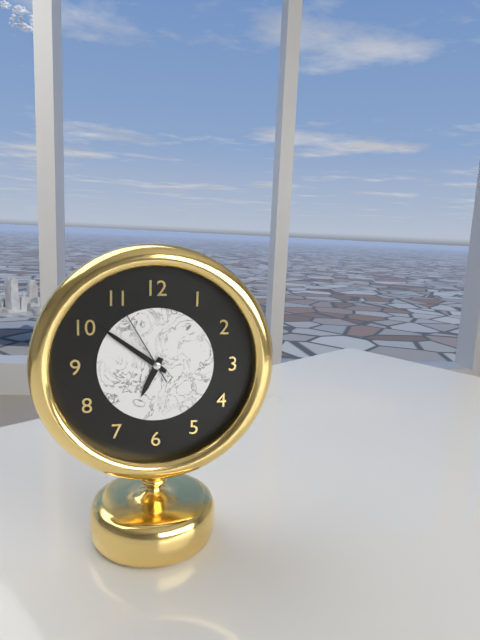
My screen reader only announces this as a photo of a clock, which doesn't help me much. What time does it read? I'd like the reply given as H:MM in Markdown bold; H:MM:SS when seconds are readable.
**6:51:55**
